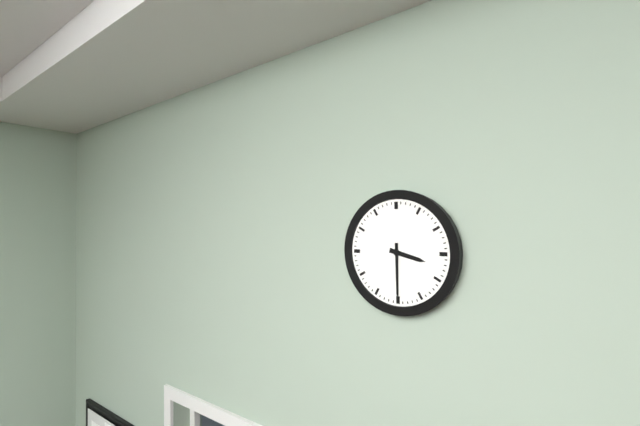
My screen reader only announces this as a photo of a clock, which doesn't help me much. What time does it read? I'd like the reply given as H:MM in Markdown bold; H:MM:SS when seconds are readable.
**3:30**
